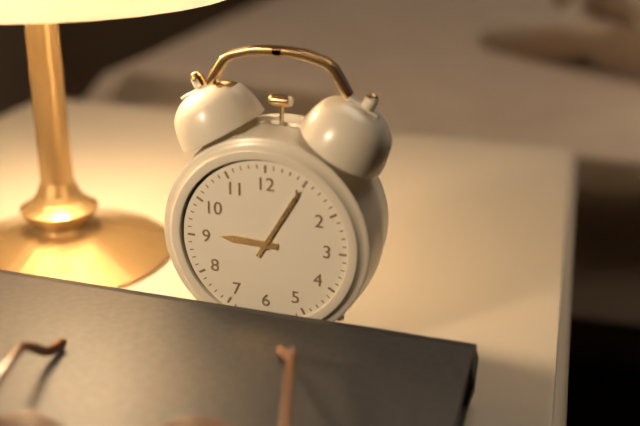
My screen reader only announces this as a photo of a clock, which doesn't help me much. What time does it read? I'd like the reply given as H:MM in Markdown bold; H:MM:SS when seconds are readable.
**9:05**
